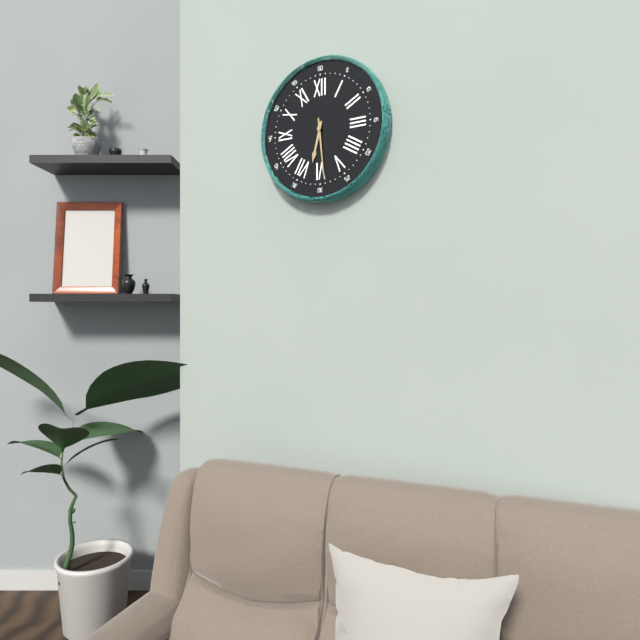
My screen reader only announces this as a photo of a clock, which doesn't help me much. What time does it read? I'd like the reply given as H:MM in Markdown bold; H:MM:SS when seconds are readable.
**6:29**
